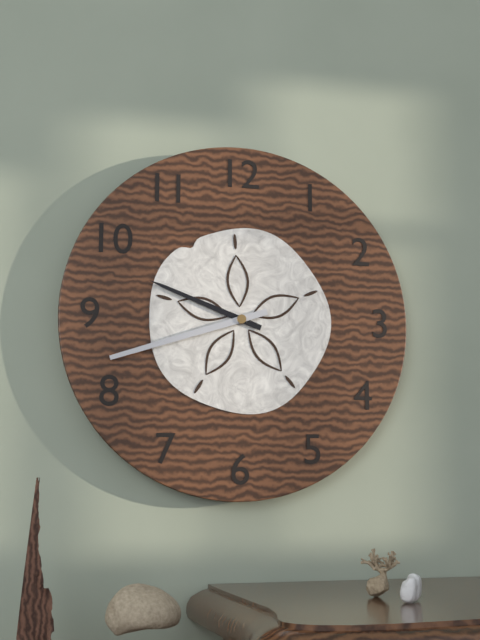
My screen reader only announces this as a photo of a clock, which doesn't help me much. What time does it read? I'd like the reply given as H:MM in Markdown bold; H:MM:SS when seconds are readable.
**9:42**
